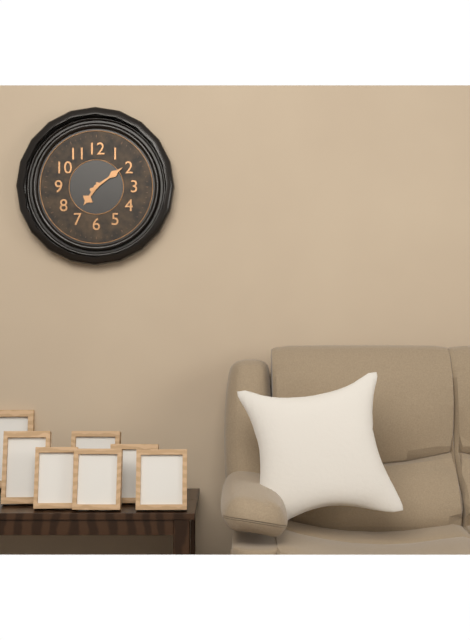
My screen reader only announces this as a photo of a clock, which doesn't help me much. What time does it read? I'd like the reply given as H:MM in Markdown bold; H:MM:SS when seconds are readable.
**7:09**
